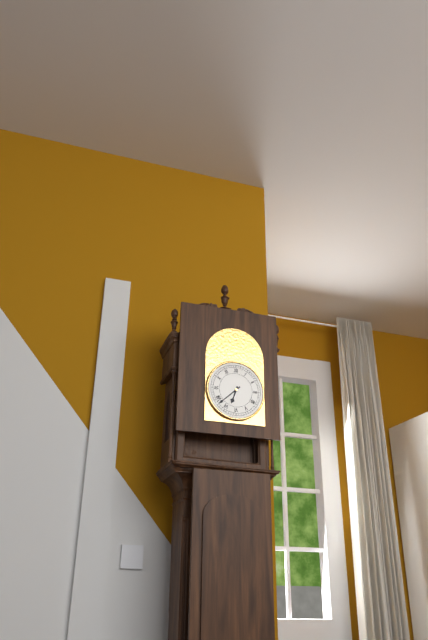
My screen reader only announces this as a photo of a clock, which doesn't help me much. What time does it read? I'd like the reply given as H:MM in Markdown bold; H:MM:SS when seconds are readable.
**6:38**
